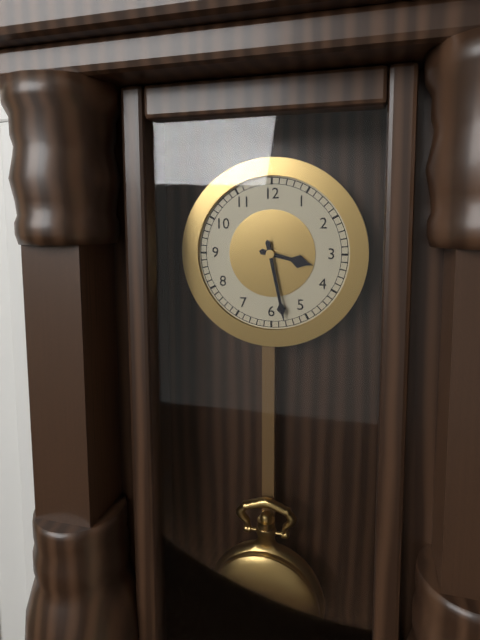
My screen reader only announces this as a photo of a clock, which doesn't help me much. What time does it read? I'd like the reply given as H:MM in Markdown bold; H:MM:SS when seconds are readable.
**3:28**
